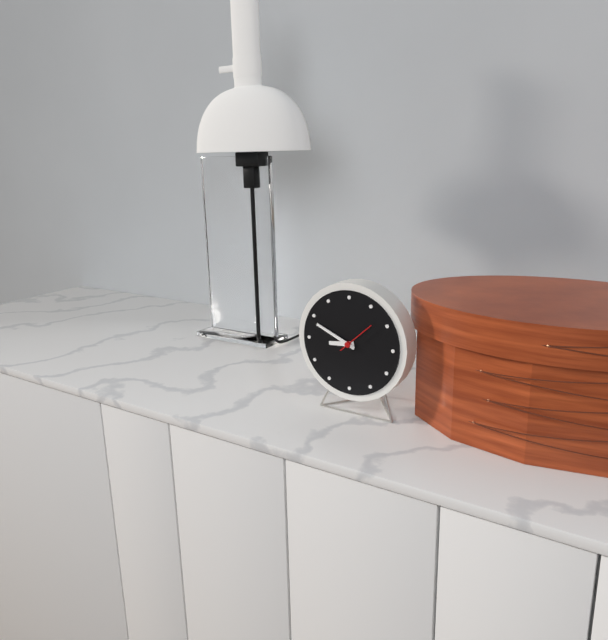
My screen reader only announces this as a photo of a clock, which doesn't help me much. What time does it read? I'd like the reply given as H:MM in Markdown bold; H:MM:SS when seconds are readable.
**8:49**
